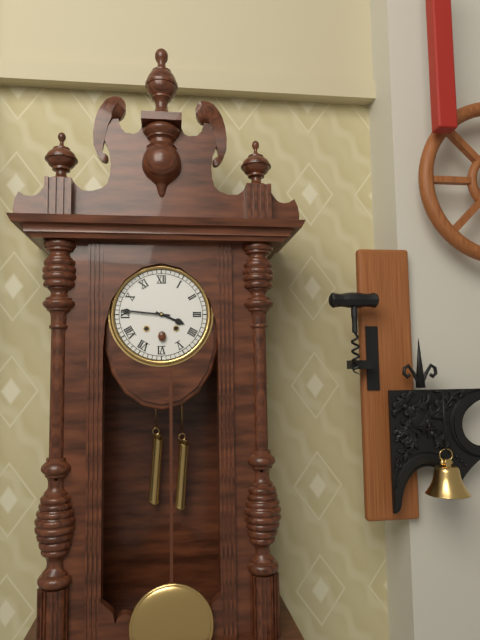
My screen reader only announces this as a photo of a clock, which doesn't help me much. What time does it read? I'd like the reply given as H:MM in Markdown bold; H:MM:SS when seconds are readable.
**3:46**
